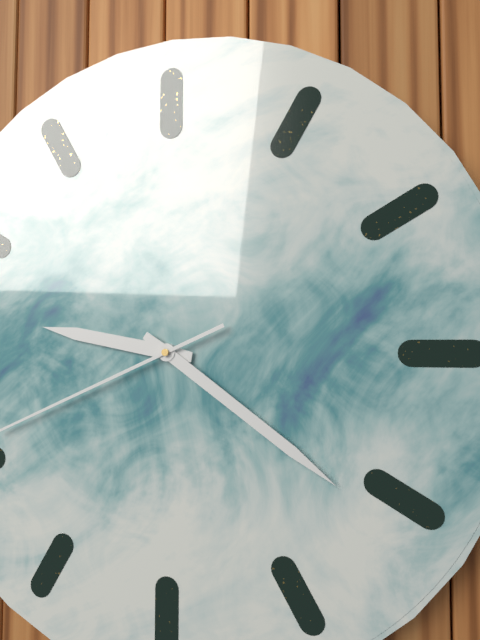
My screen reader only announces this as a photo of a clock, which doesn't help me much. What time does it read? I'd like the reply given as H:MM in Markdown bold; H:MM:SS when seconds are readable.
**9:21**
